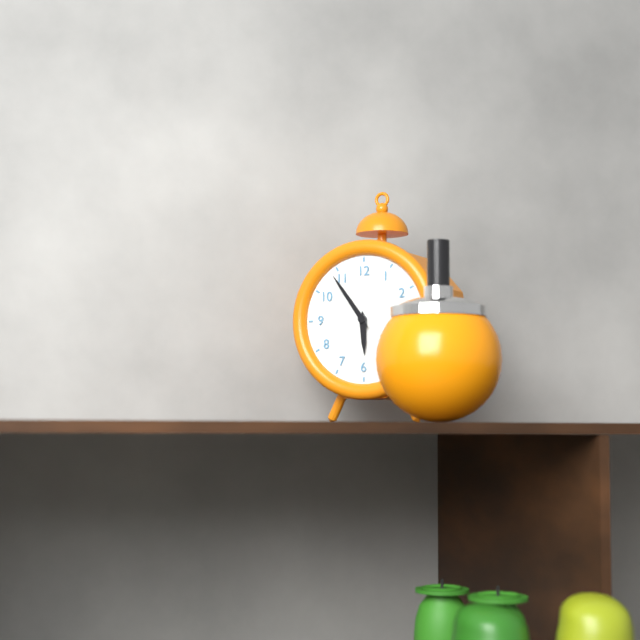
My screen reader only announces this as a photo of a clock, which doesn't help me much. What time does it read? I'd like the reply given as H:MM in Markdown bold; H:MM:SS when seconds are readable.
**5:54**
